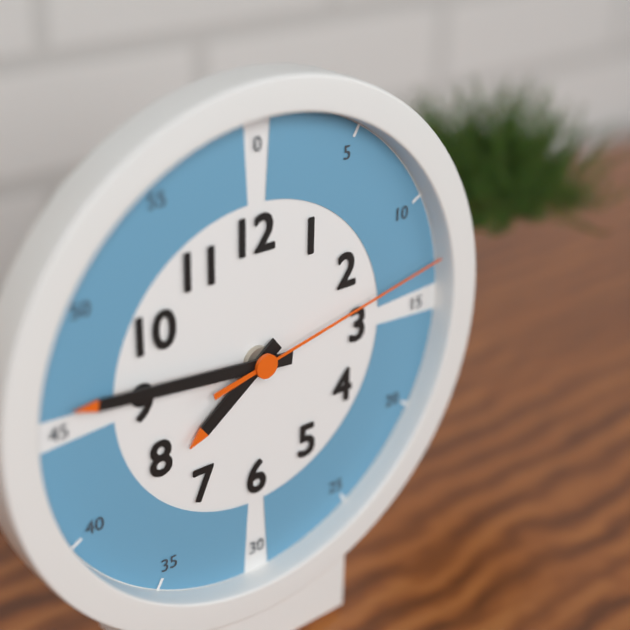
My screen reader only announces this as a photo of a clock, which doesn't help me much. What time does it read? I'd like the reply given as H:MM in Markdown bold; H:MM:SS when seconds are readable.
**7:46:13**
